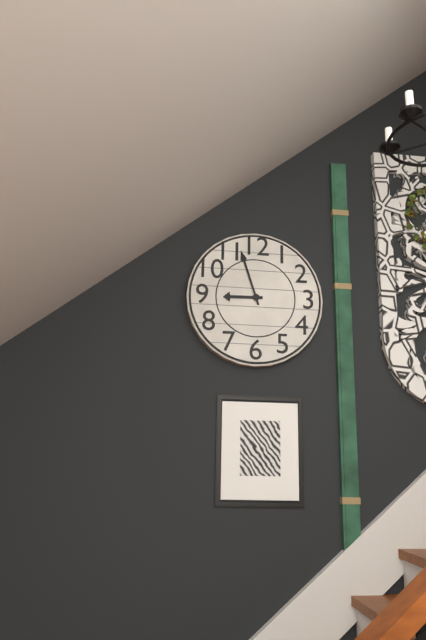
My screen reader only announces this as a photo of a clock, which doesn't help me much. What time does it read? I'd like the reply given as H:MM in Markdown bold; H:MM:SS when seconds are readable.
**8:57**
